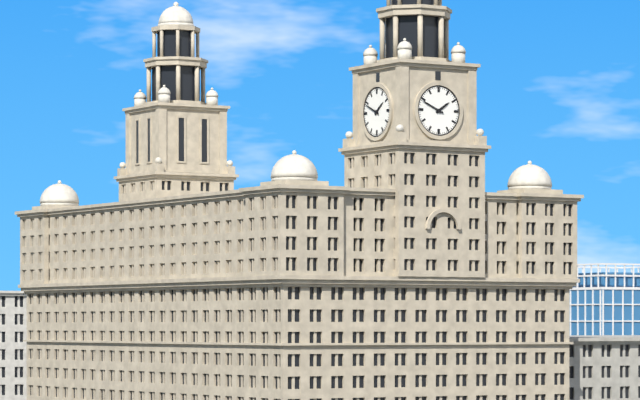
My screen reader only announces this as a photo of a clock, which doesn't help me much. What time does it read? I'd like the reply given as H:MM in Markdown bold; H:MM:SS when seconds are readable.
**1:49**
